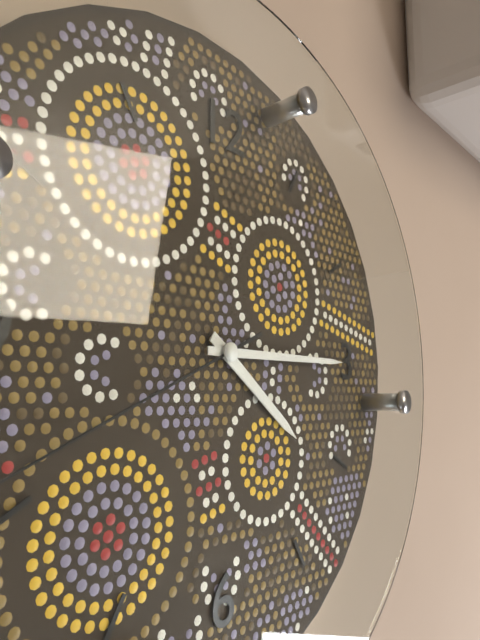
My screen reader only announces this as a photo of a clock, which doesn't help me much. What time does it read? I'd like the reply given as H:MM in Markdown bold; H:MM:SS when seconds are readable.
**4:15**
